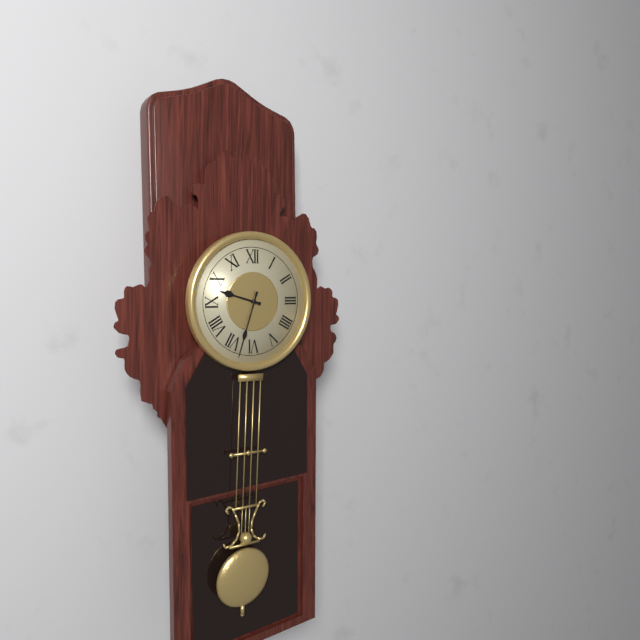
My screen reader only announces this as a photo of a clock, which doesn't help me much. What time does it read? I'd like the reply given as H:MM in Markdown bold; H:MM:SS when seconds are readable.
**9:33**
